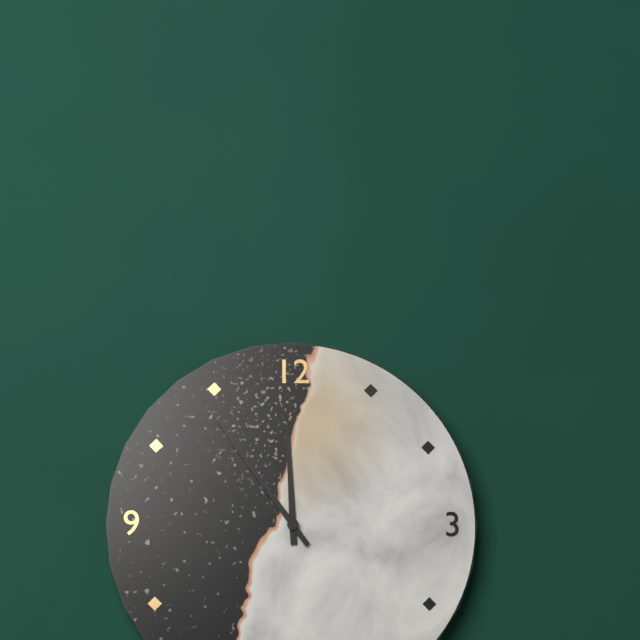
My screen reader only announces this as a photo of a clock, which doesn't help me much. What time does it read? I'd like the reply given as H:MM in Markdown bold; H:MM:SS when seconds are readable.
**11:54**
